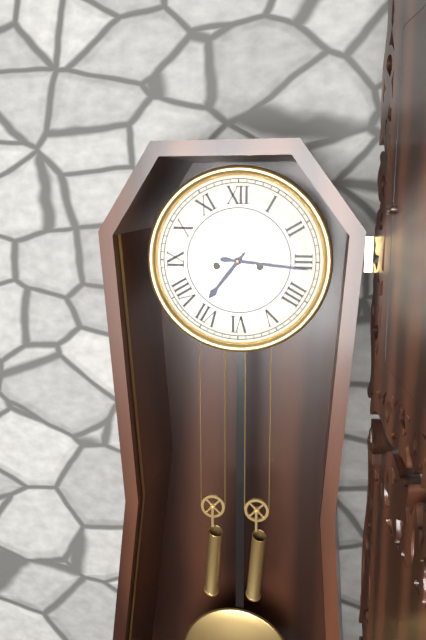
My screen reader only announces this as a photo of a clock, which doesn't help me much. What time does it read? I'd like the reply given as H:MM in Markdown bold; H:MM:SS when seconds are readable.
**7:16**
